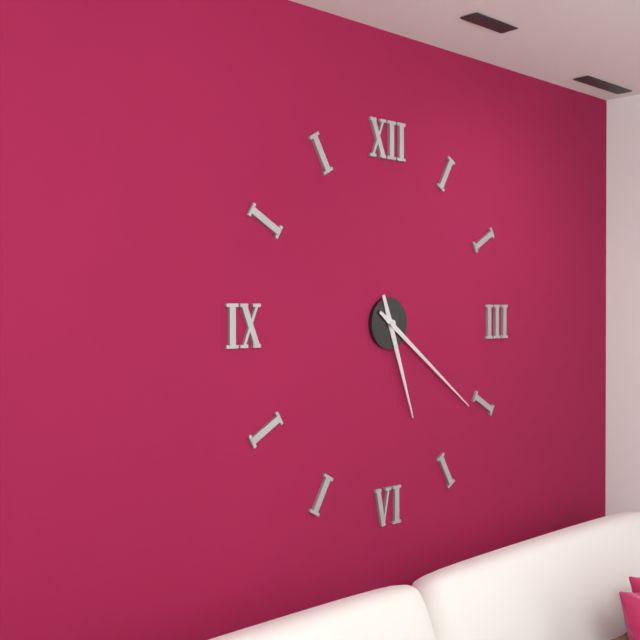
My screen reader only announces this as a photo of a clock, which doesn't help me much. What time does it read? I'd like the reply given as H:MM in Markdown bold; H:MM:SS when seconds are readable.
**5:21**
